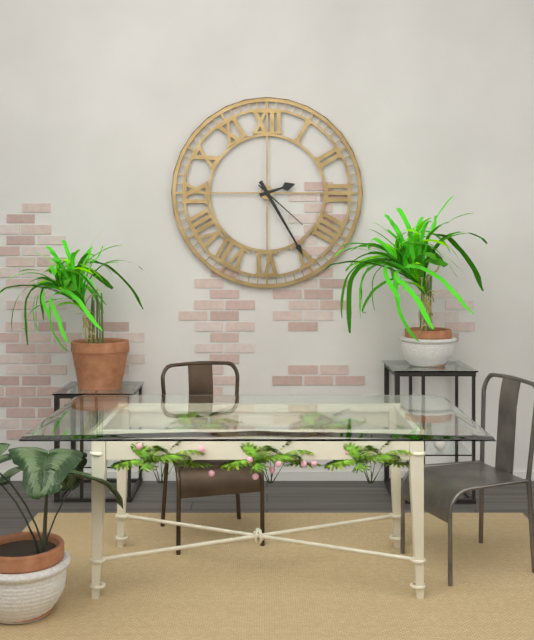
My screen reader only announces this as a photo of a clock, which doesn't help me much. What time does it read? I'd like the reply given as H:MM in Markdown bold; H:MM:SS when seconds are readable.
**2:25:22**
